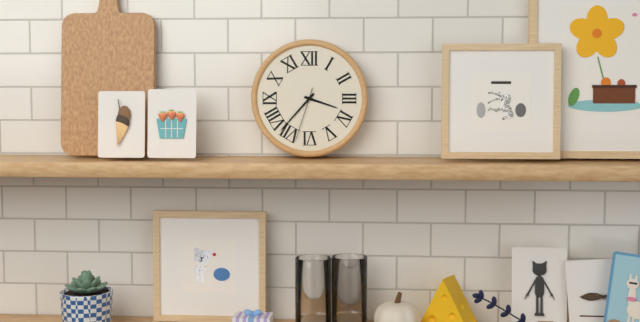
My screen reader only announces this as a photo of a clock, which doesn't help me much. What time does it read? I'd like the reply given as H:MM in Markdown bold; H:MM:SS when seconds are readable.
**3:37:33**
